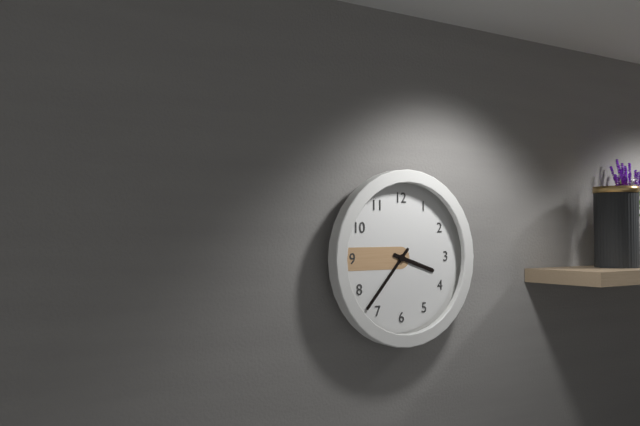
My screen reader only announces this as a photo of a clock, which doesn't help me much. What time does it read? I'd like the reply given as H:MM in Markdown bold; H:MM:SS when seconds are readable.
**3:37**
